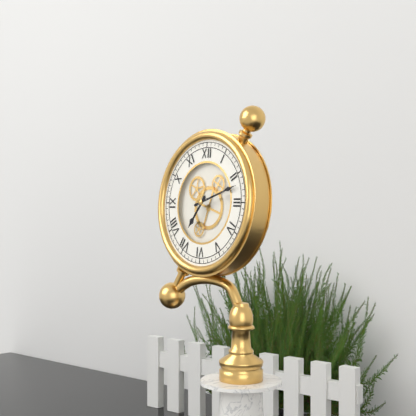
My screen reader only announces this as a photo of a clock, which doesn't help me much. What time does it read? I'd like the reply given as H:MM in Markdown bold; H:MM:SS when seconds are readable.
**7:12**
